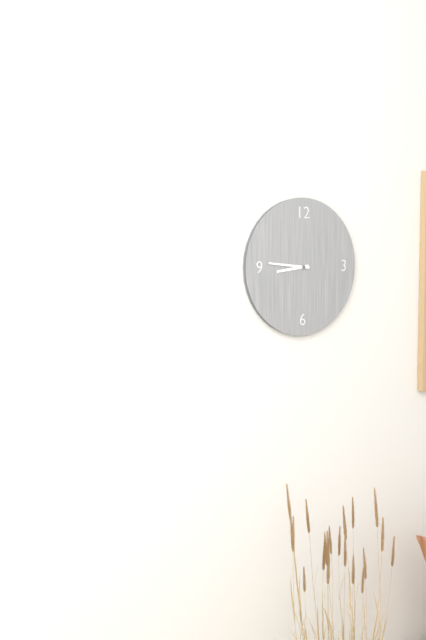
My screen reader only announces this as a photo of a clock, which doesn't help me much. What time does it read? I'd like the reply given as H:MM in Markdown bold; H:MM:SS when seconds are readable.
**8:46**
